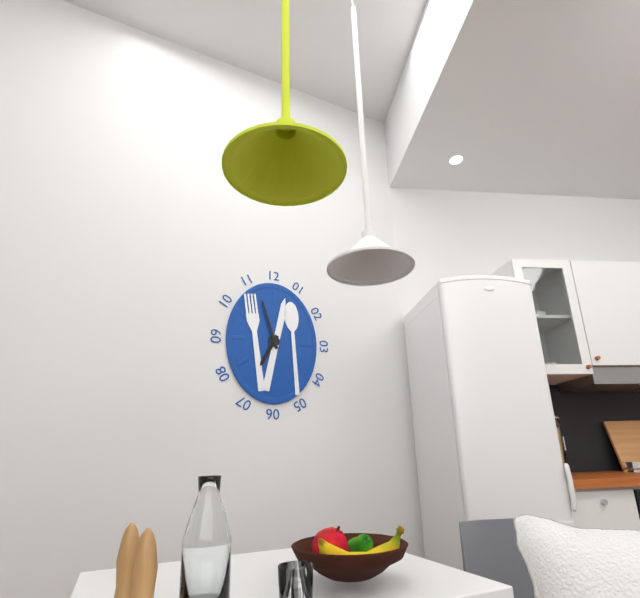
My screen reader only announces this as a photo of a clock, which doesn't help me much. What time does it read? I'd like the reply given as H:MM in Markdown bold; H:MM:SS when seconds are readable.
**6:57**
